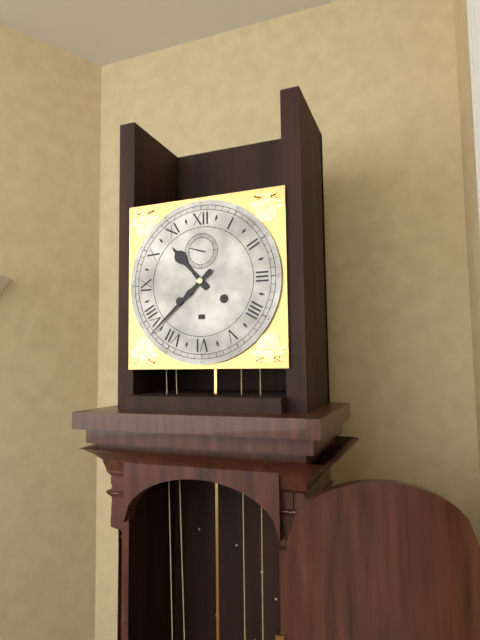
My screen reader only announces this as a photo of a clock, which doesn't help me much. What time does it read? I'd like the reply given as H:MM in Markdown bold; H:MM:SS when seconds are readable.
**10:38**
